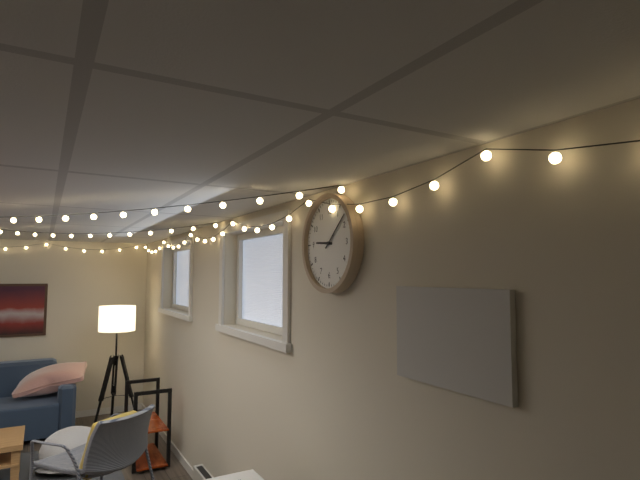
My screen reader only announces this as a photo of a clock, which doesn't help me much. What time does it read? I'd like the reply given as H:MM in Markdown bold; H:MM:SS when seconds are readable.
**9:08**
